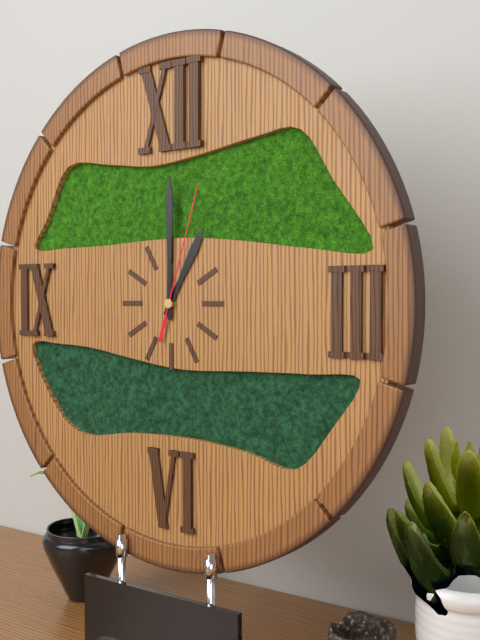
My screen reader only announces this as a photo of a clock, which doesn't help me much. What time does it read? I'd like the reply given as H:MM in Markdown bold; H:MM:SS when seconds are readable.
**1:00:03**
